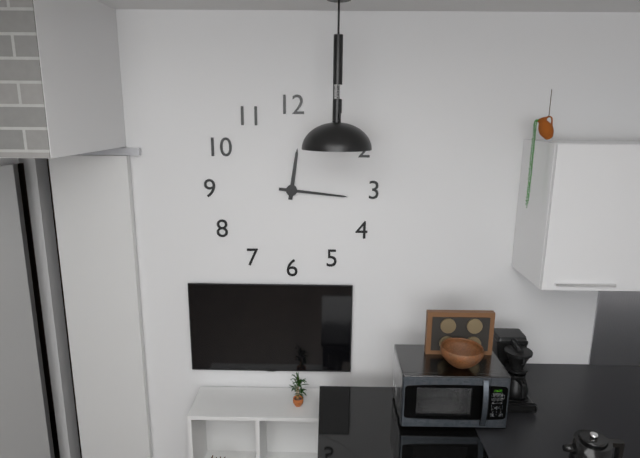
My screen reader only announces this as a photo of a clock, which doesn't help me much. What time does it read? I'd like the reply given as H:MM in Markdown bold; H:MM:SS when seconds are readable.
**12:16**
